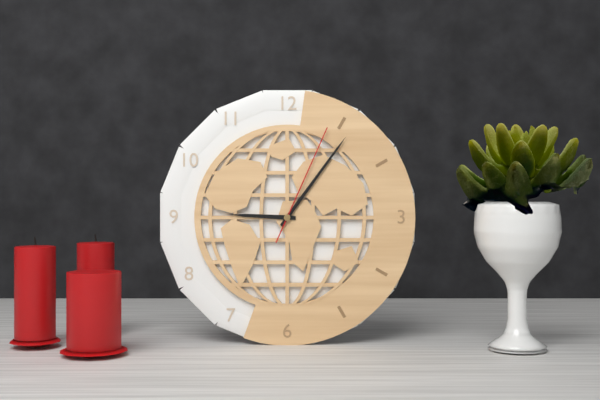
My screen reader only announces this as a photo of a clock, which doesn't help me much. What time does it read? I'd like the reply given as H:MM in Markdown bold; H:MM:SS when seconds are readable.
**9:06:04**
